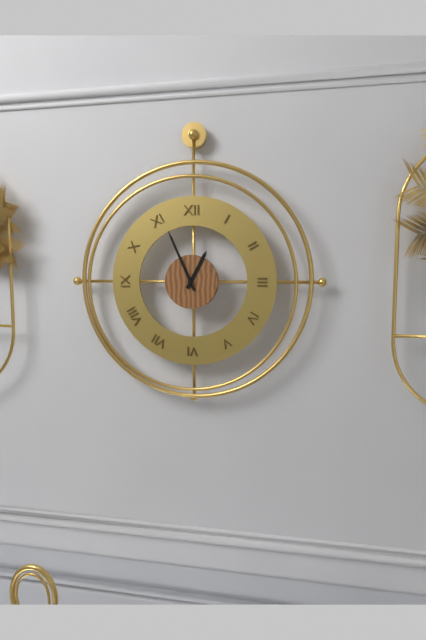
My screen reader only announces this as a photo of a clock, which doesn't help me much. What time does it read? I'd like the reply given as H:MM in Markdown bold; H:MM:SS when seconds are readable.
**12:56**
